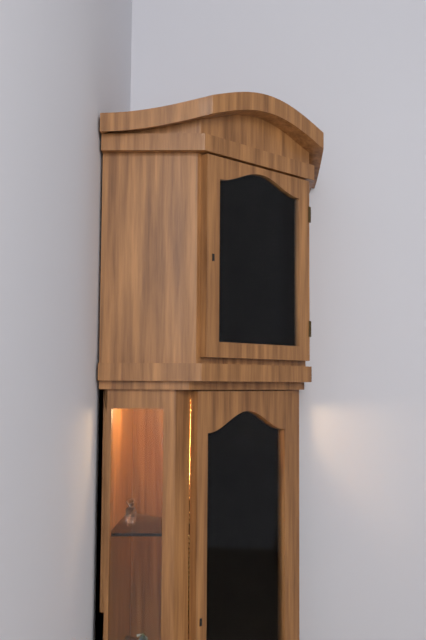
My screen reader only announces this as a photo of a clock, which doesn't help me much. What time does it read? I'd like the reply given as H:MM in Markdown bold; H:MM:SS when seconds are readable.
**1:53**
